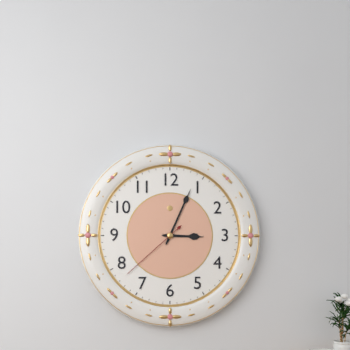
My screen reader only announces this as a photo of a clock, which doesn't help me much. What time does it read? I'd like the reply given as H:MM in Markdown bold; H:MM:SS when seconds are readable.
**3:04:38**
